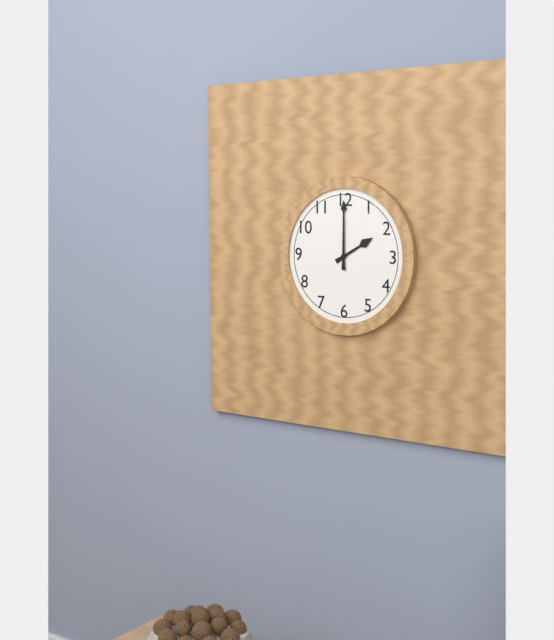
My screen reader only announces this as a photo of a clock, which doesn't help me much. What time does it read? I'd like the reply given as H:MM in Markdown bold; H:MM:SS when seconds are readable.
**2:00**
